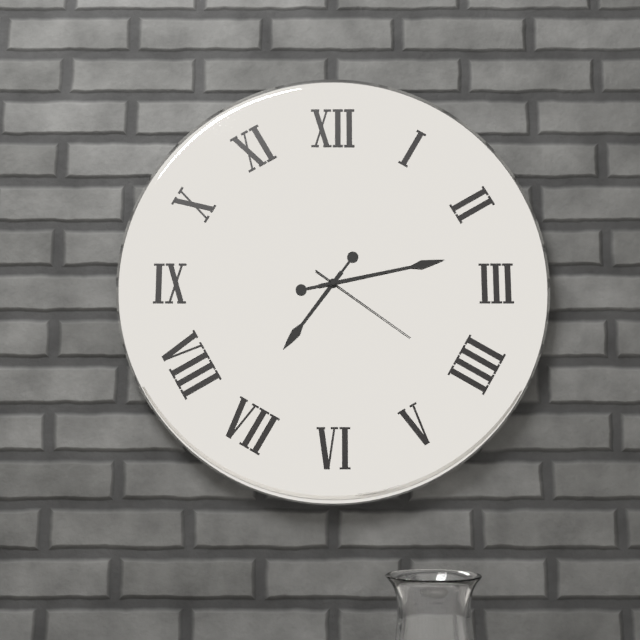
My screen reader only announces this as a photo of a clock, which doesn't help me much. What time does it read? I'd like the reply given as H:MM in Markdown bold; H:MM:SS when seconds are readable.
**7:13:21**
